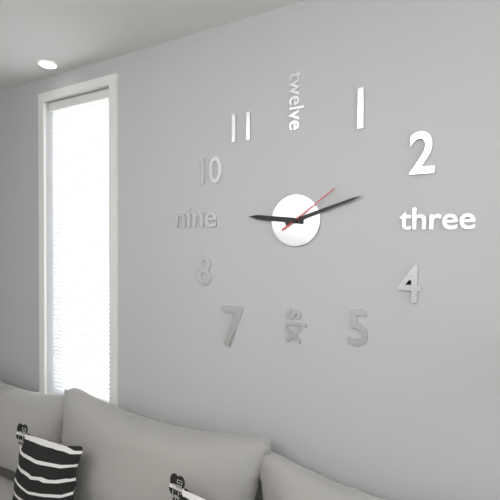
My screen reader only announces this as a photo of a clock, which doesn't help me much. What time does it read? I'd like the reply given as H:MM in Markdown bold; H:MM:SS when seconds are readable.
**9:12:09**
